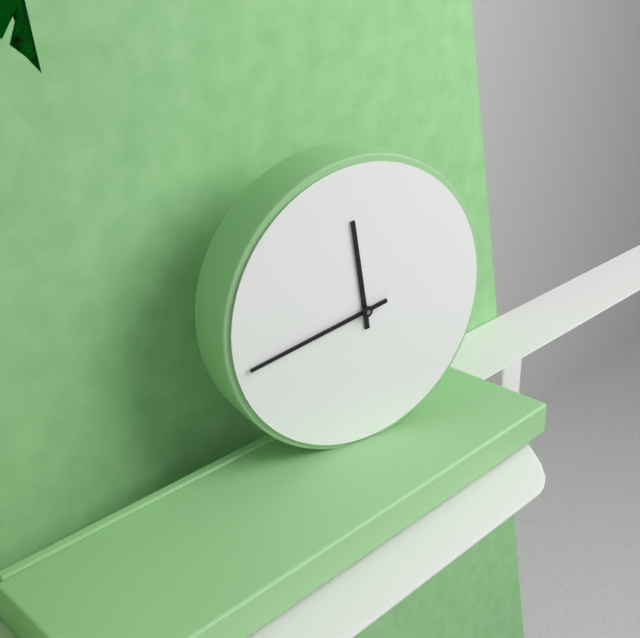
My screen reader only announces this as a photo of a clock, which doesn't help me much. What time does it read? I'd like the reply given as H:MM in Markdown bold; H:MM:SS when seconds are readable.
**11:43**
